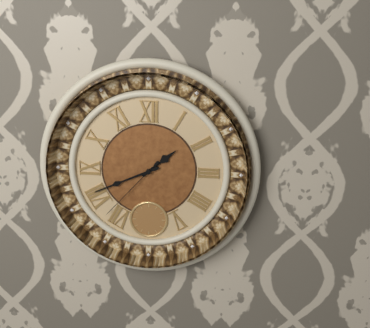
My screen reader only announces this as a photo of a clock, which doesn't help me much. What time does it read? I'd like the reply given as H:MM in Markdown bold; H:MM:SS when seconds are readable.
**1:41:37**
